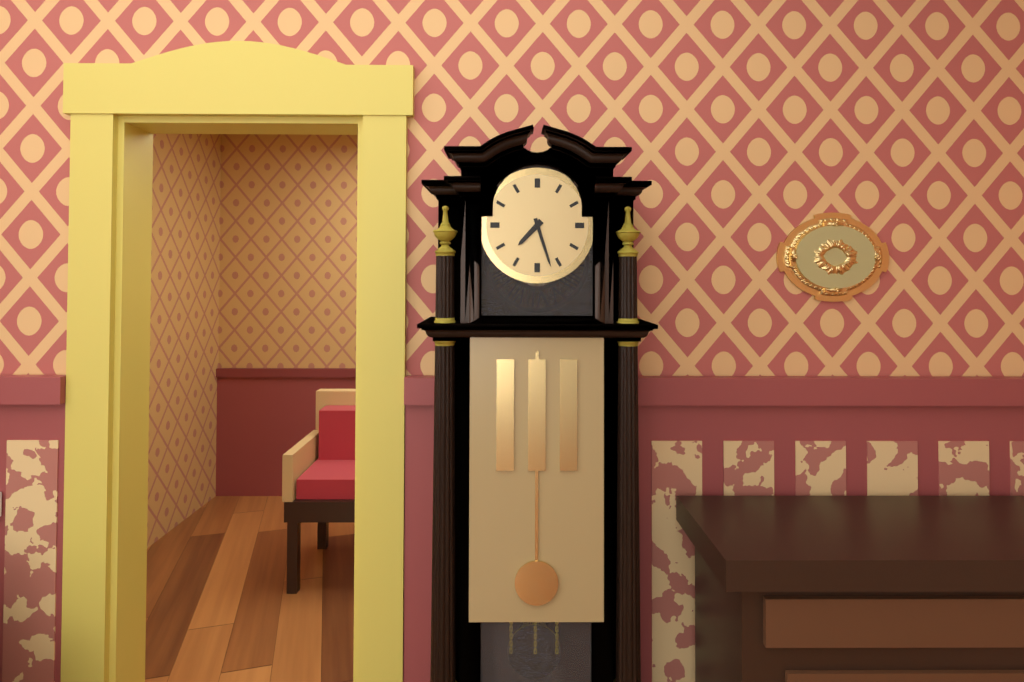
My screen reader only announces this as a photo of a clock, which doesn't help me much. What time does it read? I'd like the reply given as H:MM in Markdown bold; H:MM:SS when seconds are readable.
**7:27**
